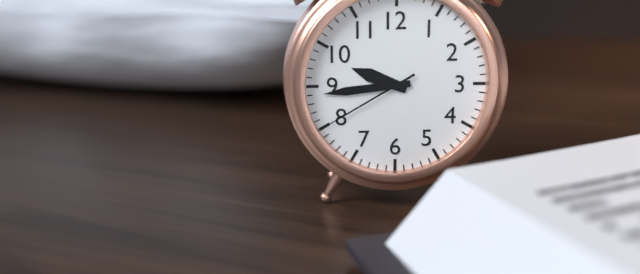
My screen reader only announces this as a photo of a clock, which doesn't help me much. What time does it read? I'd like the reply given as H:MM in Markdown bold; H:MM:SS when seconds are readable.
**9:44:40**
